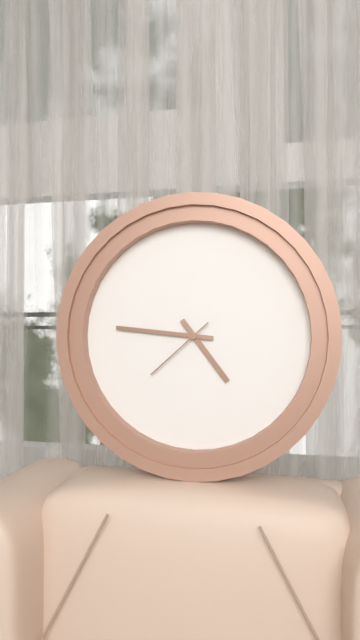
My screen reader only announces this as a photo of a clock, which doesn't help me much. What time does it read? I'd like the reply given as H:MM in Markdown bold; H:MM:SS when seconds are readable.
**4:46:38**
